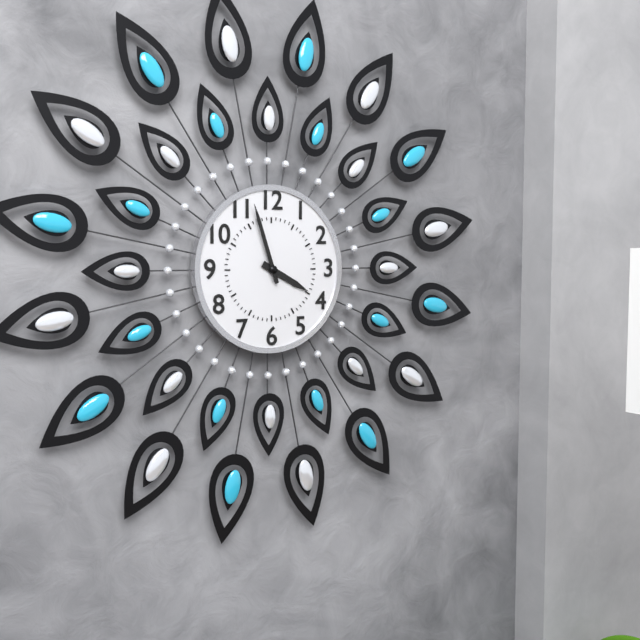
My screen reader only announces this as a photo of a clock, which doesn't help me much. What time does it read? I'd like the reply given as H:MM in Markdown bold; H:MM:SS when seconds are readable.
**3:57**
